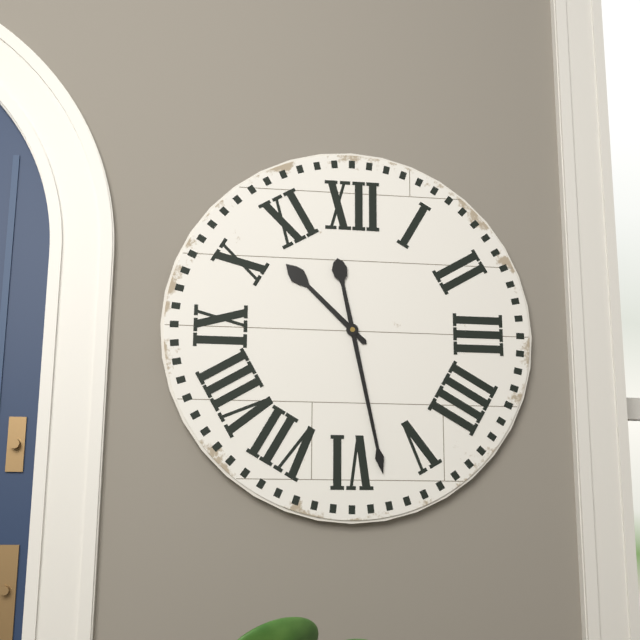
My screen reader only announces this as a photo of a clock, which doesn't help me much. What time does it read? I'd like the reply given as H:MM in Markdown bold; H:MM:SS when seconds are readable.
**10:28**
